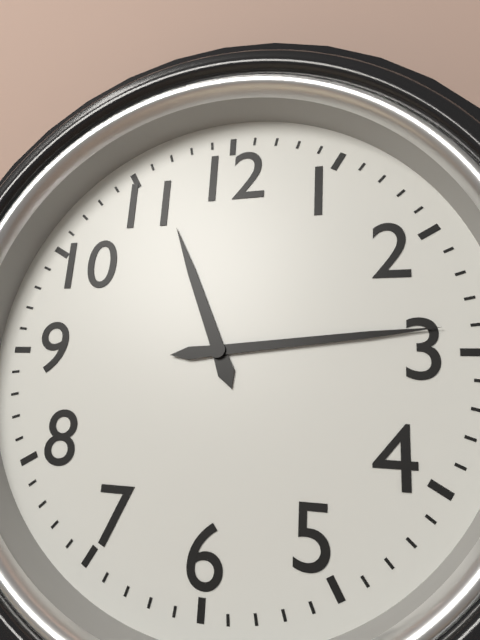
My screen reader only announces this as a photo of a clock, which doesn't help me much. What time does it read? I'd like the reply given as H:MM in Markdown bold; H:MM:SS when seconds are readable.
**11:14**
